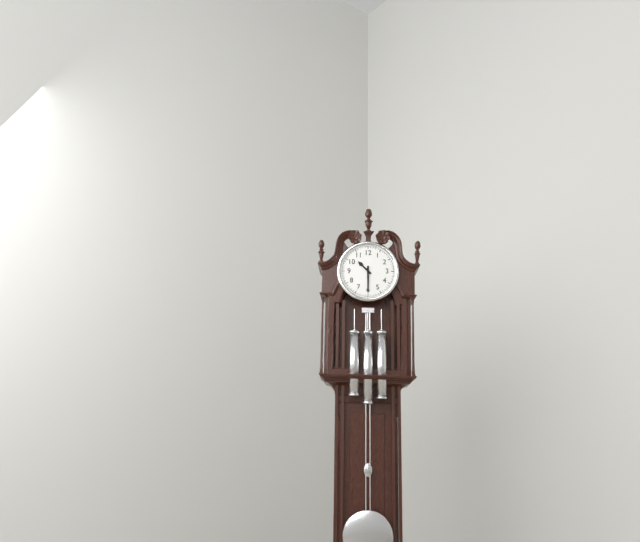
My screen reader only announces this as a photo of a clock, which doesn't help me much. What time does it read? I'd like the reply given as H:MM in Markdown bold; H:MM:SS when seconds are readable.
**10:30**
